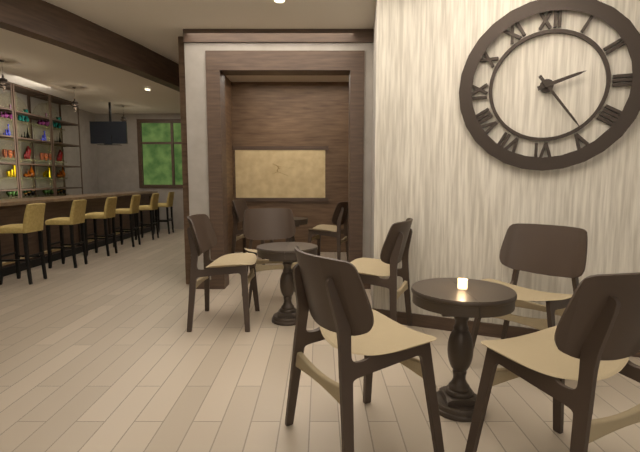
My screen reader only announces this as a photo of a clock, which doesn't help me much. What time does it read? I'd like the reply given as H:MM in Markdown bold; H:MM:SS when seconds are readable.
**2:24**
